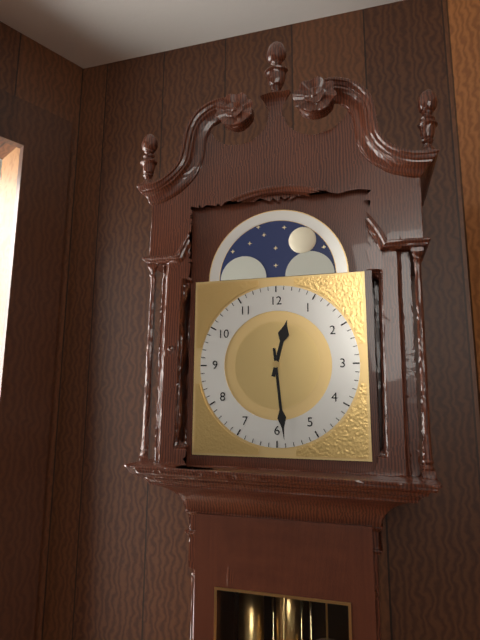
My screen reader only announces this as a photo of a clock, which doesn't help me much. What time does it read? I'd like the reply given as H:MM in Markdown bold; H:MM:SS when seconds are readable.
**12:29**
